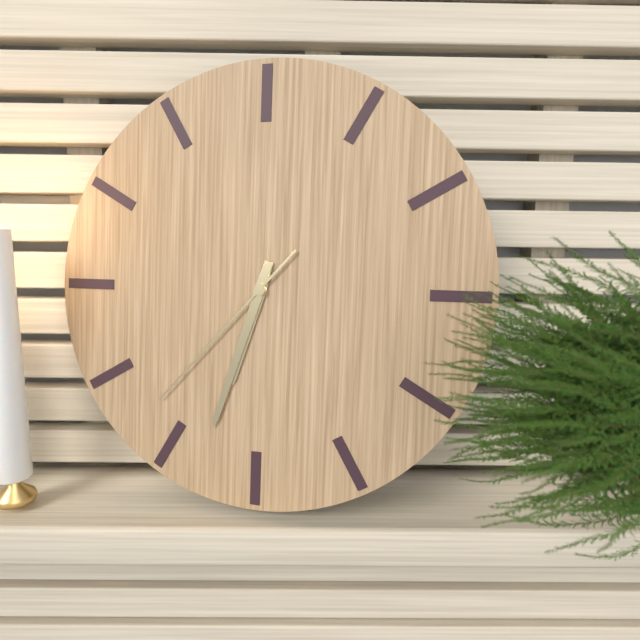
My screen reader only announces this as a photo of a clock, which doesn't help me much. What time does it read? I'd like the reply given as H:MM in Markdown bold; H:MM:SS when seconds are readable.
**6:33:37**
